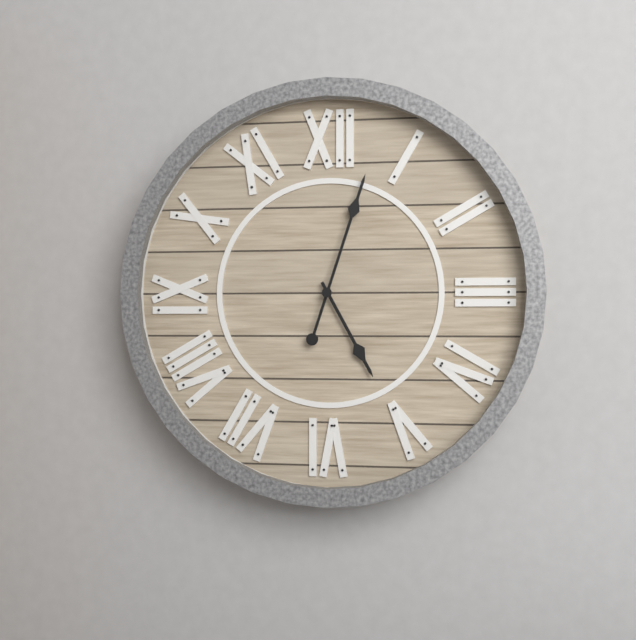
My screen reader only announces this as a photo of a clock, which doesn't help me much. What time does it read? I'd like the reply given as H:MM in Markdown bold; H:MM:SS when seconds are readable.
**5:03**
